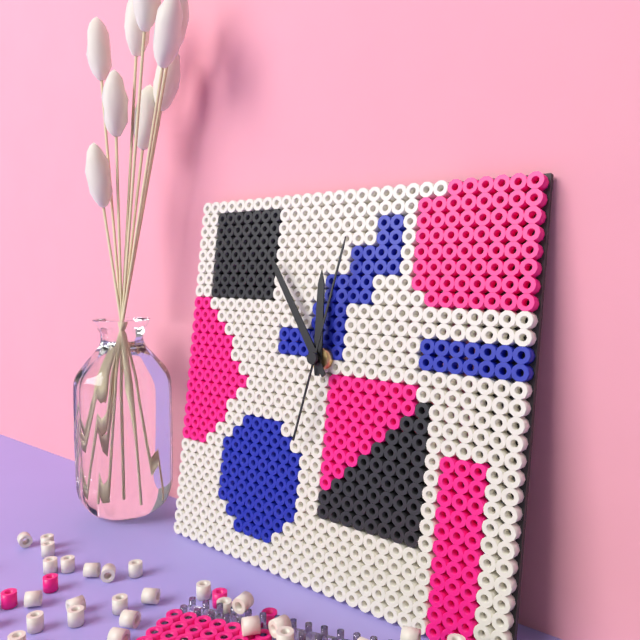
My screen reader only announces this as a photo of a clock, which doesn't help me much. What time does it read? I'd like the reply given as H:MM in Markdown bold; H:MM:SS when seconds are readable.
**11:54:02**
